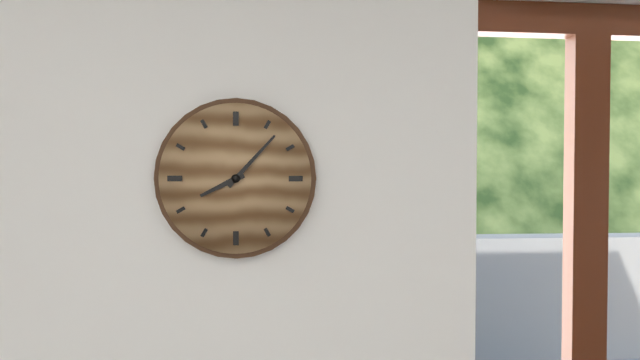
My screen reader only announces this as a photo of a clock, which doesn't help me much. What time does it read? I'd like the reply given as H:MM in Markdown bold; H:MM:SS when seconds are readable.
**8:07**
